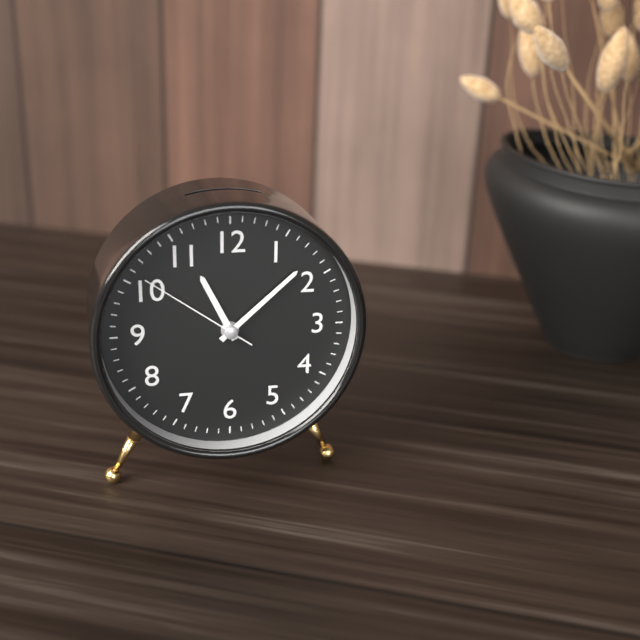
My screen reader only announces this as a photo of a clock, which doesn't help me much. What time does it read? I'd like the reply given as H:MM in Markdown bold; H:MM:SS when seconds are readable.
**11:08:51**
